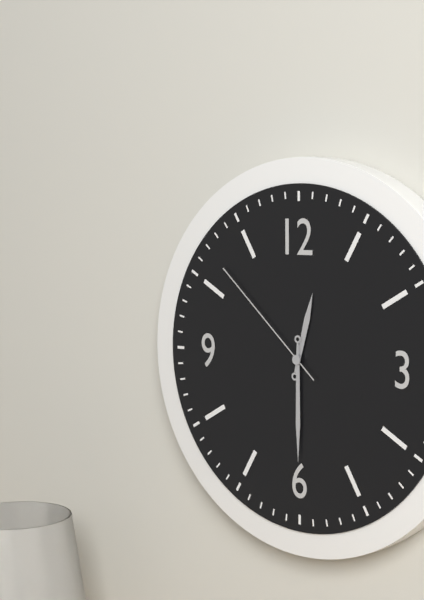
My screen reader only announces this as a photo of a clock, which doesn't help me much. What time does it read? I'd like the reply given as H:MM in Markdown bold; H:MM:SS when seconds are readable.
**12:30:52**
